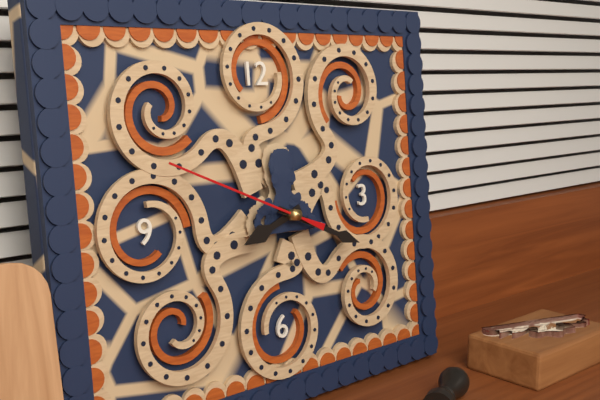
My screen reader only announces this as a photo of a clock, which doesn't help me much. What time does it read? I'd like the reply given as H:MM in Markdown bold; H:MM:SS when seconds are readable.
**8:19:49**
